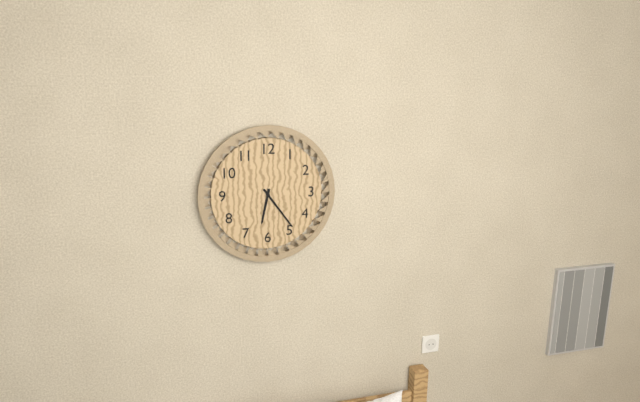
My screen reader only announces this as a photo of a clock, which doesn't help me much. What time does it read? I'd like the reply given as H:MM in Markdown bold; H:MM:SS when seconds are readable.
**6:24**
